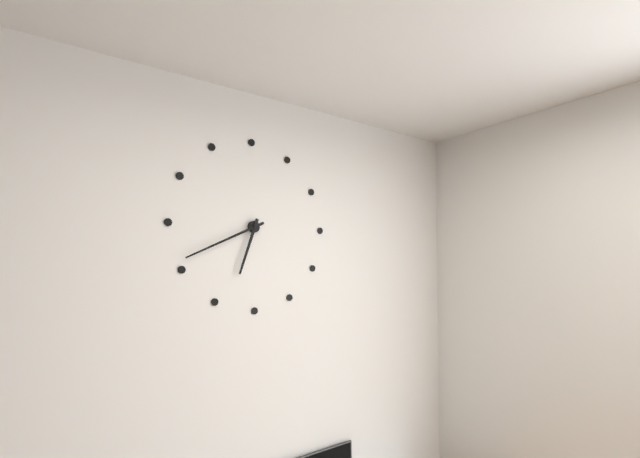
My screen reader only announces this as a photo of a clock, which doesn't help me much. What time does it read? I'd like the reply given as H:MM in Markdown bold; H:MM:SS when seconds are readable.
**6:41**
